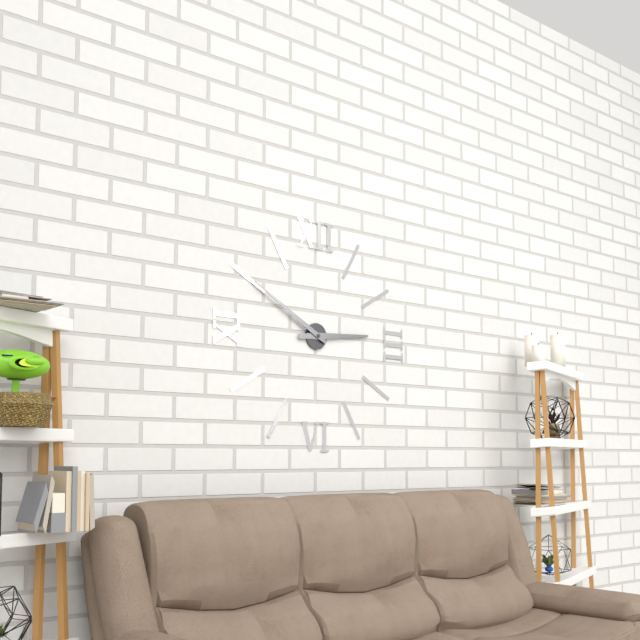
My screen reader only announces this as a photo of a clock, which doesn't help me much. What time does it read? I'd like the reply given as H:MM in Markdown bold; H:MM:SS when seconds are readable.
**2:50**
